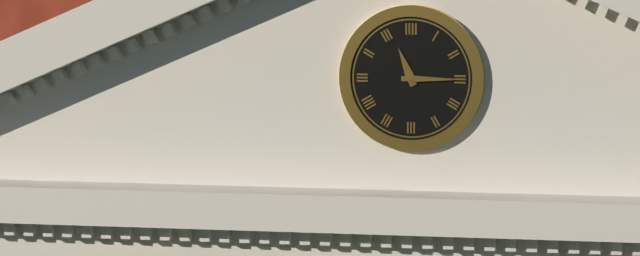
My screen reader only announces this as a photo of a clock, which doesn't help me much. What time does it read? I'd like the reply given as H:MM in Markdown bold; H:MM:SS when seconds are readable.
**11:15**
